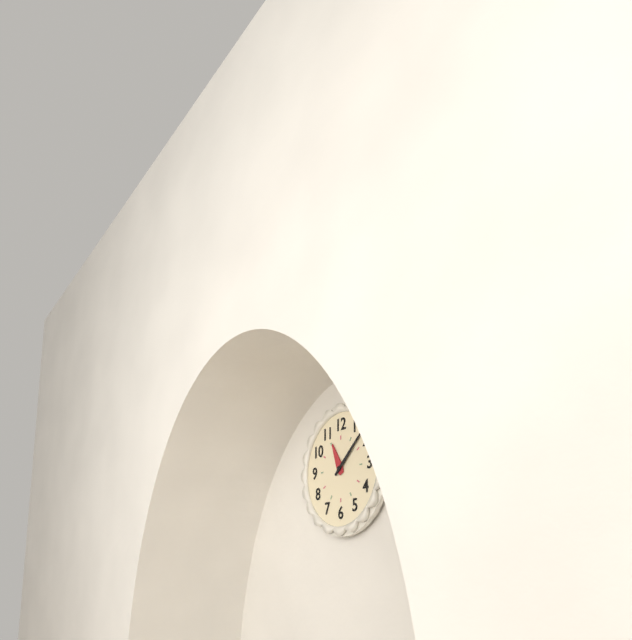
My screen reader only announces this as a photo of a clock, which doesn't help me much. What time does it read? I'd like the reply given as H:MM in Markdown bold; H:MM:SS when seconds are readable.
**11:08**
